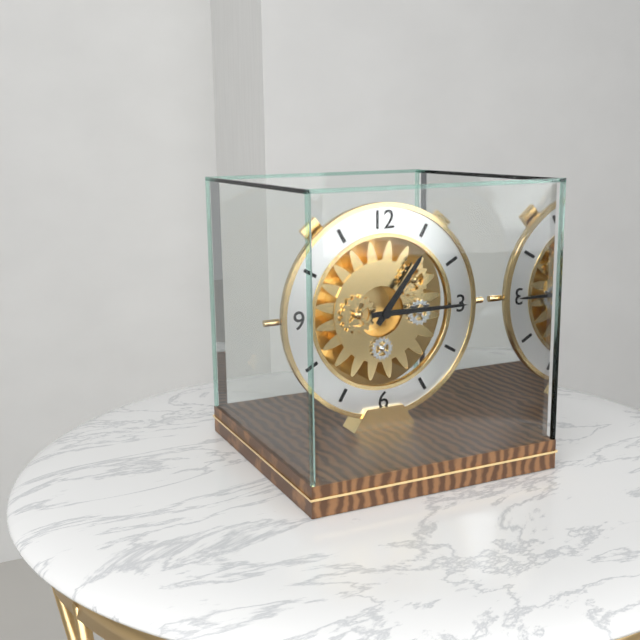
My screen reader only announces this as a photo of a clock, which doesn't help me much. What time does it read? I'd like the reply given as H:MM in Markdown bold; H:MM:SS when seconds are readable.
**1:15**
